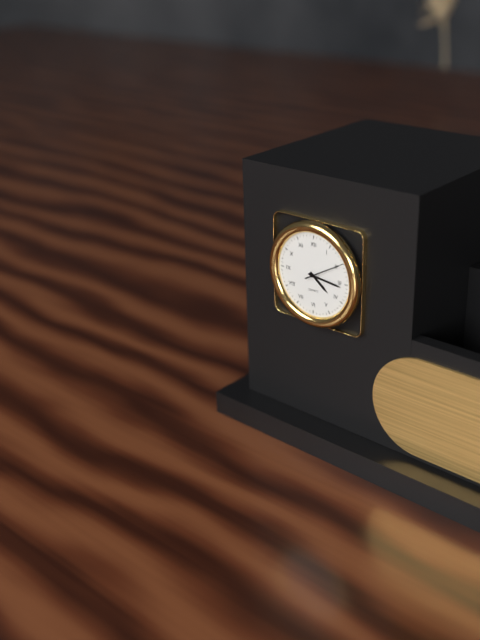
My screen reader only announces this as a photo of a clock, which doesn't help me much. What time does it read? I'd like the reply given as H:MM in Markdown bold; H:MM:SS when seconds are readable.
**4:16**
